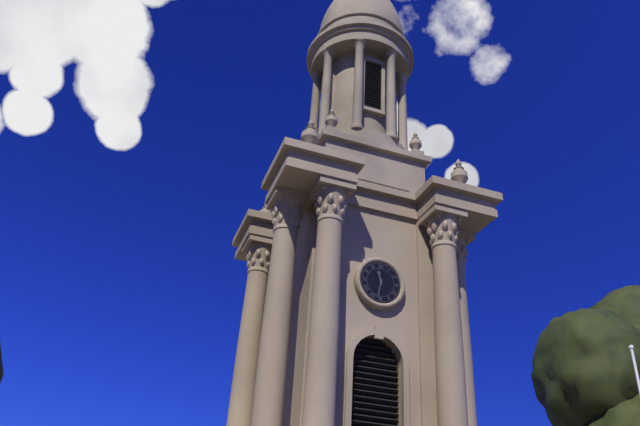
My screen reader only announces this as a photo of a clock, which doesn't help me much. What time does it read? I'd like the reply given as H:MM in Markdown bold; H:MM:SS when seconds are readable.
**11:32**
